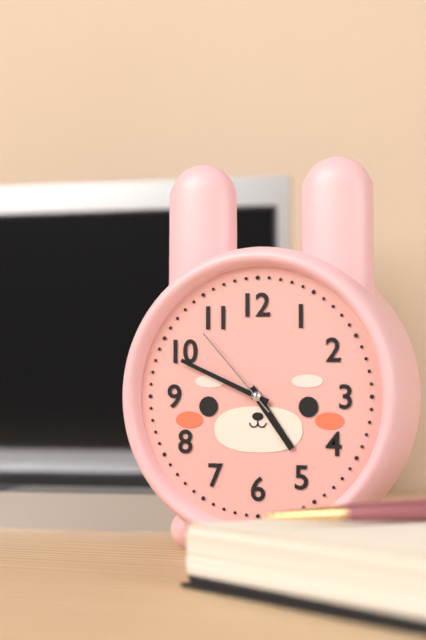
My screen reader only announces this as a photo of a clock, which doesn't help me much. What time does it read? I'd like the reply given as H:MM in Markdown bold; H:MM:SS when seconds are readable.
**4:49:53**
